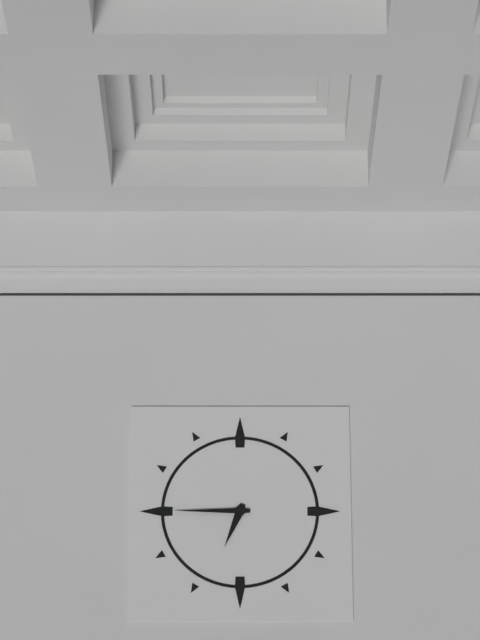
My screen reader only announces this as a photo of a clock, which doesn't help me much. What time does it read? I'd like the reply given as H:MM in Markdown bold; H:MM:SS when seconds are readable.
**6:45**
